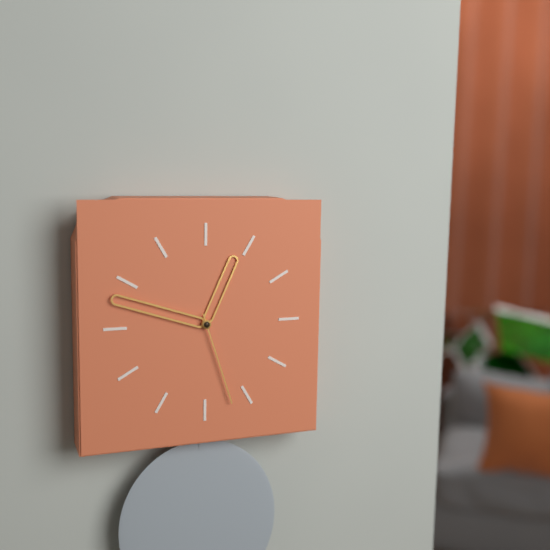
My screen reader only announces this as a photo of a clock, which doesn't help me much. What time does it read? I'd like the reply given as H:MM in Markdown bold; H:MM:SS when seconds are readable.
**12:48:27**
